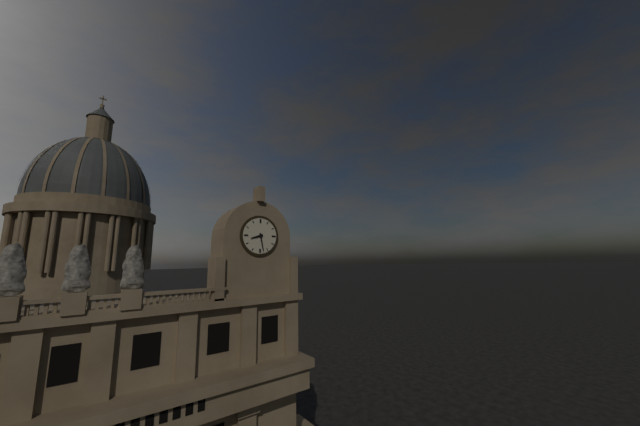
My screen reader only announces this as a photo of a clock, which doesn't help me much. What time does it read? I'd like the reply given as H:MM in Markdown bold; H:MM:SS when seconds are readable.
**8:28**
